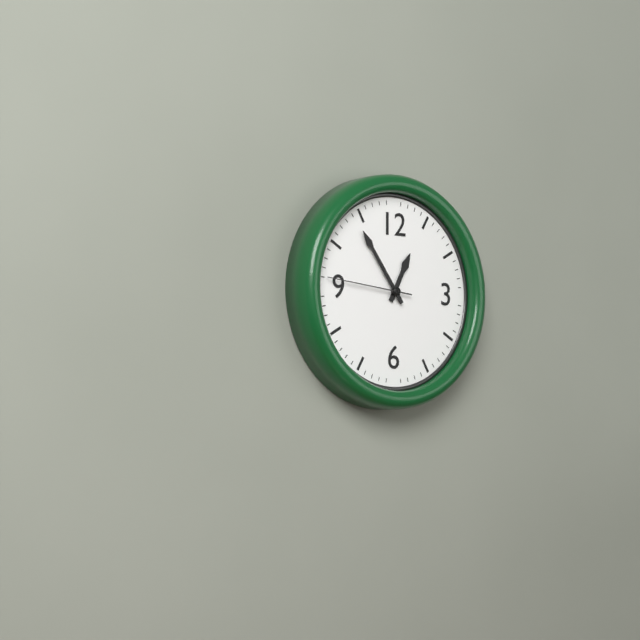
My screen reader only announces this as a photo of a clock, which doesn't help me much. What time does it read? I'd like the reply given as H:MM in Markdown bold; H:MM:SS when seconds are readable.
**12:54:46**
